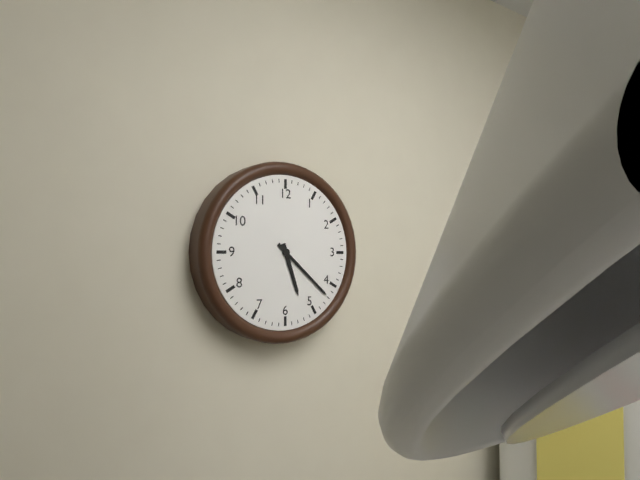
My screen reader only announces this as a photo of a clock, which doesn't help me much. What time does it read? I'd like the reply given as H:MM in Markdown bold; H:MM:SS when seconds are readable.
**5:22**
